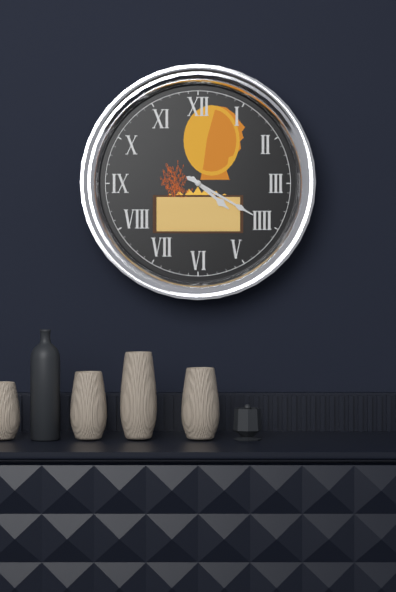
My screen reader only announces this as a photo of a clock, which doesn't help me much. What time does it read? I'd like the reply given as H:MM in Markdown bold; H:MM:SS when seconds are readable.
**4:20**
